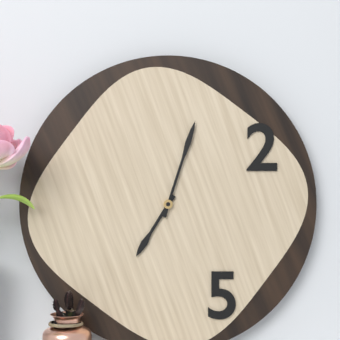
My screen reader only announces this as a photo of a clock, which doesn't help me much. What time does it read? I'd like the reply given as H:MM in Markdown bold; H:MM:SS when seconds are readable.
**7:03**
